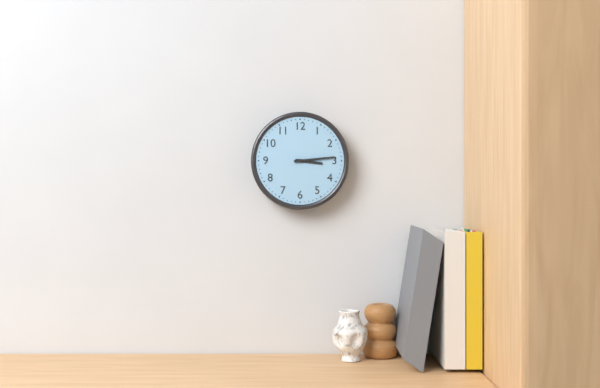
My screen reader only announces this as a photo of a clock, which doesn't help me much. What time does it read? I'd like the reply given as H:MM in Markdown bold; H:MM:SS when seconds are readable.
**3:14**
